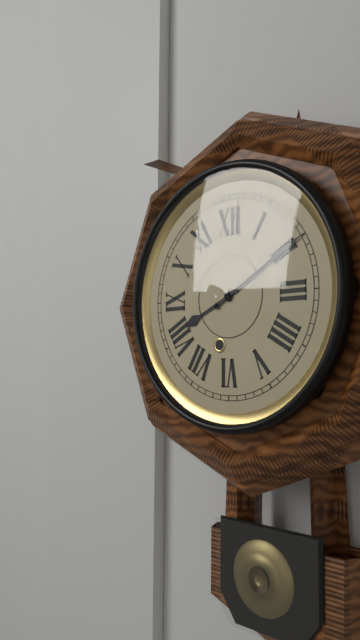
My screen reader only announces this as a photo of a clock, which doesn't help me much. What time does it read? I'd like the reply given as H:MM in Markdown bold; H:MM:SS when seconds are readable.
**8:10**
